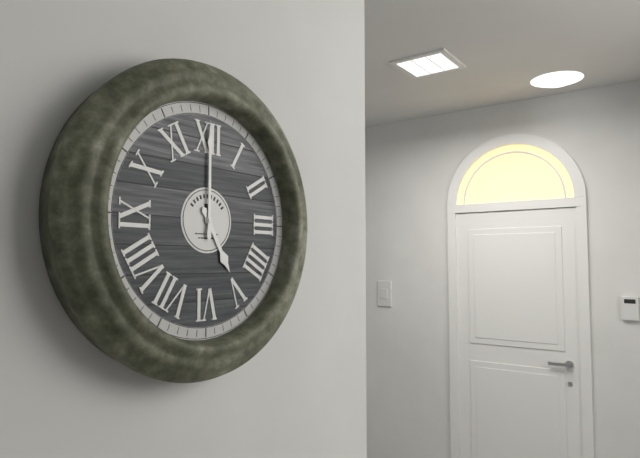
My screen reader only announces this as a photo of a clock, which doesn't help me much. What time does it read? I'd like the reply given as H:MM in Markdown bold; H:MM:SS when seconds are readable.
**5:00**
